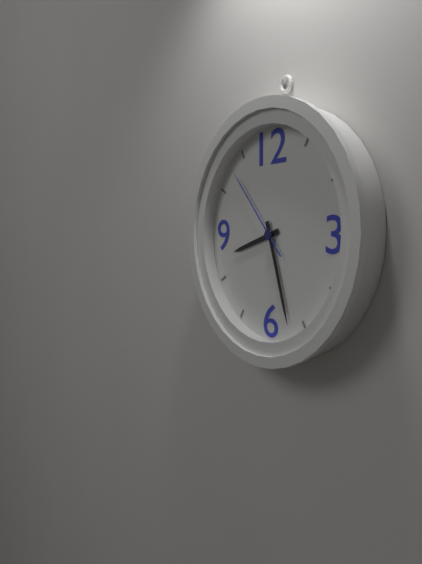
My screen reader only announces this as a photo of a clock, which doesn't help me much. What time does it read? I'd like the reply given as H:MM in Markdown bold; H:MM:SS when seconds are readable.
**8:27:53**
